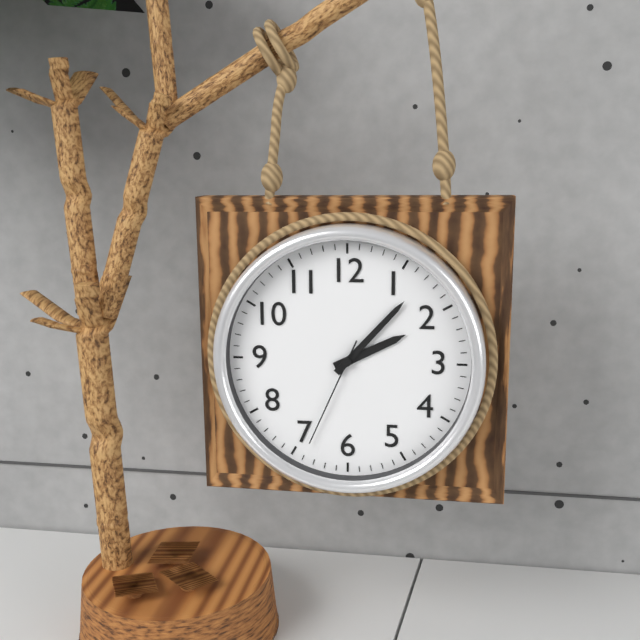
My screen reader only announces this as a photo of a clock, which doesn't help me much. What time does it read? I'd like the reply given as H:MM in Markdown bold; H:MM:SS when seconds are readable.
**2:07:34**
